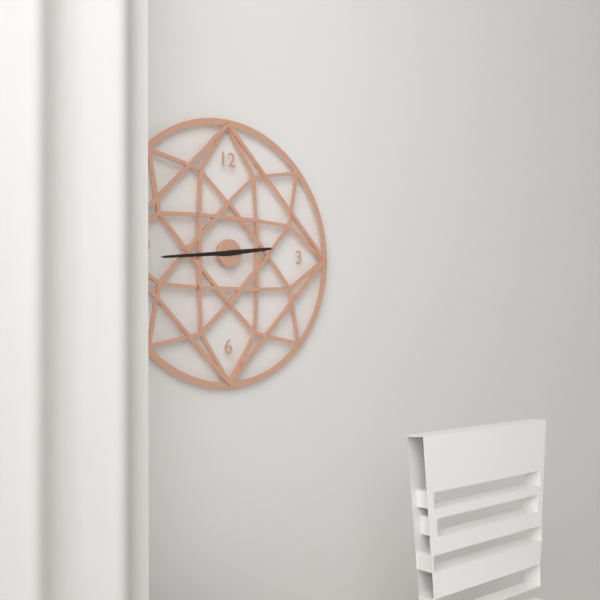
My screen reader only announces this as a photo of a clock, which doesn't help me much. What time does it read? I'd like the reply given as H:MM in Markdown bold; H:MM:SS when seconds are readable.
**2:44**
